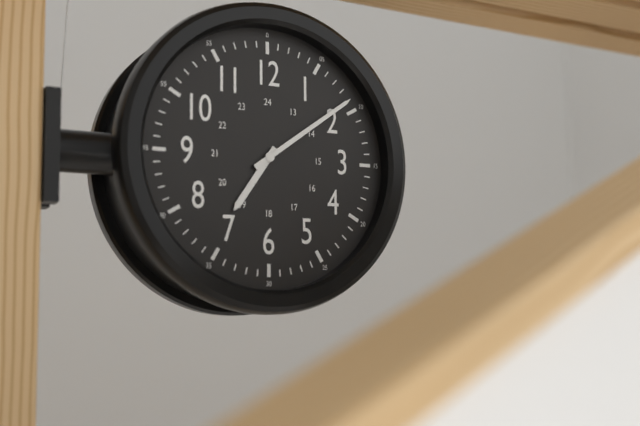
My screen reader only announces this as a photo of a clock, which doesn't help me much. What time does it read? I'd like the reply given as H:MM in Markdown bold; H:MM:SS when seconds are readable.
**7:09**
